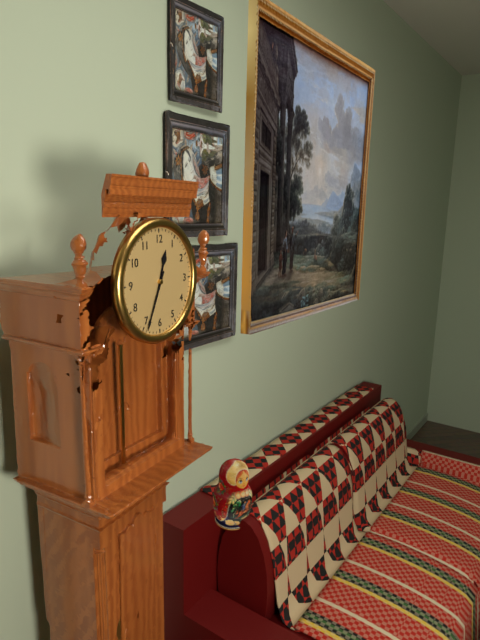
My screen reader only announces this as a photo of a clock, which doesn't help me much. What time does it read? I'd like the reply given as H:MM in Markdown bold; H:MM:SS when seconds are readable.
**12:34**
